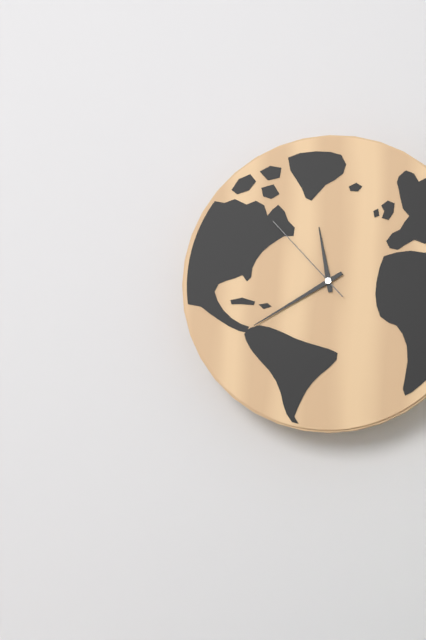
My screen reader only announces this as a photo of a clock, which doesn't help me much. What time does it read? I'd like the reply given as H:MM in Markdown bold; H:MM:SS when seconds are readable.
**11:40:53**
